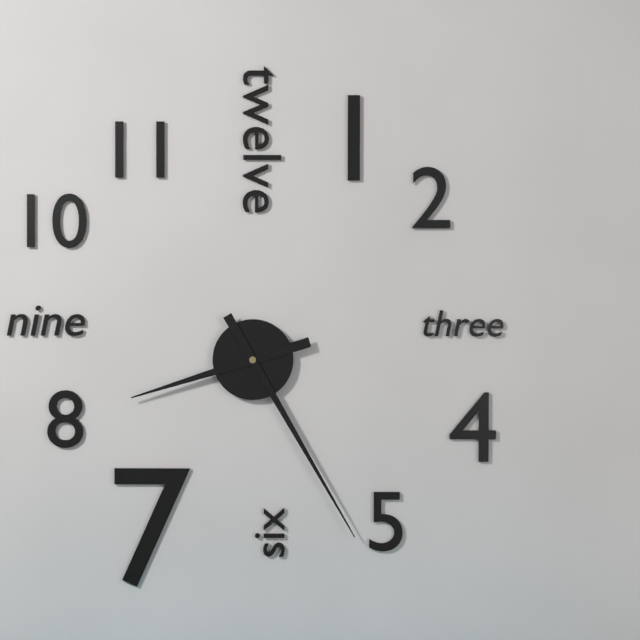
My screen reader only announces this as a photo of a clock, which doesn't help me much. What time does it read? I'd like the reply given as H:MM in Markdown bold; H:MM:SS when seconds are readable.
**8:25**
